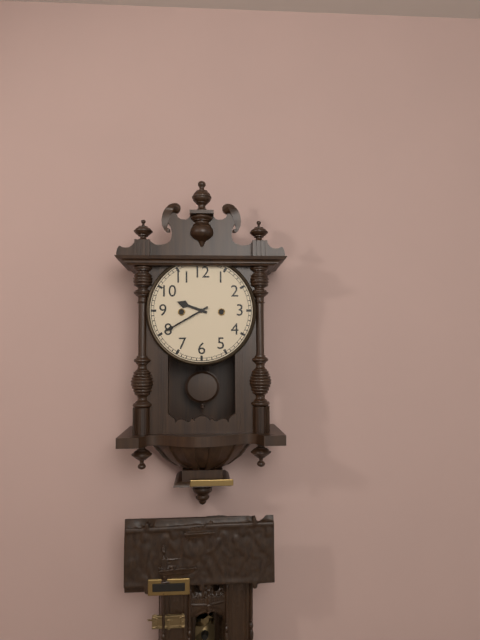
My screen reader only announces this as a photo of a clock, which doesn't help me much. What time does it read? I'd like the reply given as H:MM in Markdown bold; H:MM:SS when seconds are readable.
**9:40**
